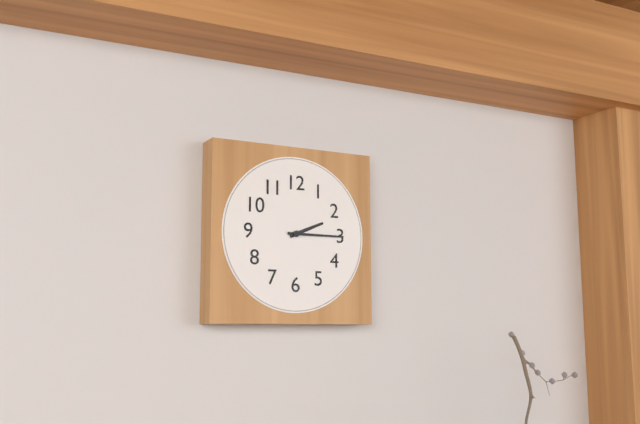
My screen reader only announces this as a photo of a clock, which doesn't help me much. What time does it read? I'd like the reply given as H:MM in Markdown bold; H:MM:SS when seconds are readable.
**2:15**
